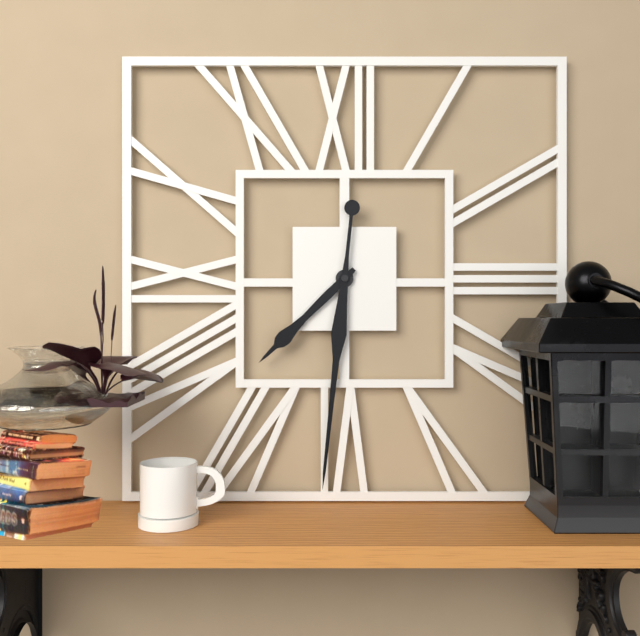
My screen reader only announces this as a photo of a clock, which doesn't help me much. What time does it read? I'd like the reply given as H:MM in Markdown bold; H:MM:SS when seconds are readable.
**7:31**
